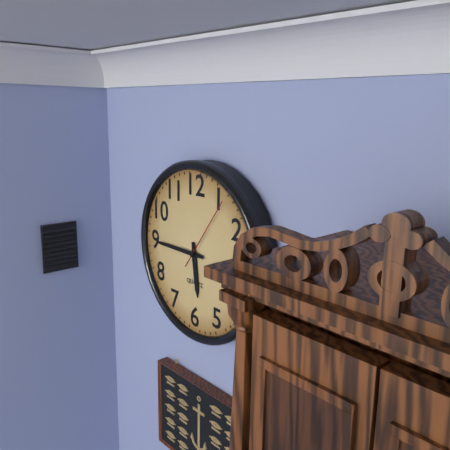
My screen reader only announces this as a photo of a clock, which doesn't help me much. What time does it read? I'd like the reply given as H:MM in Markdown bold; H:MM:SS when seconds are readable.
**5:45:06**
